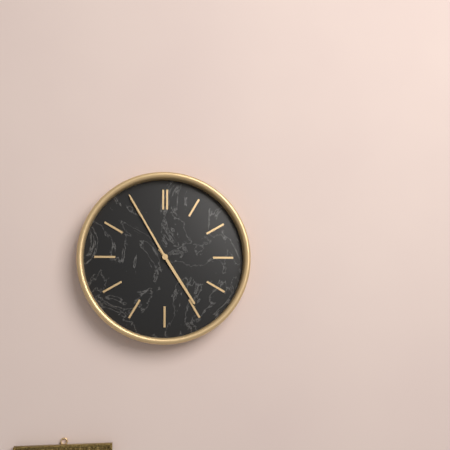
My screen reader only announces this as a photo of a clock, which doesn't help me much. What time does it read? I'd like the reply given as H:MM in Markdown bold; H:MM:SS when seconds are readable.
**4:55**
